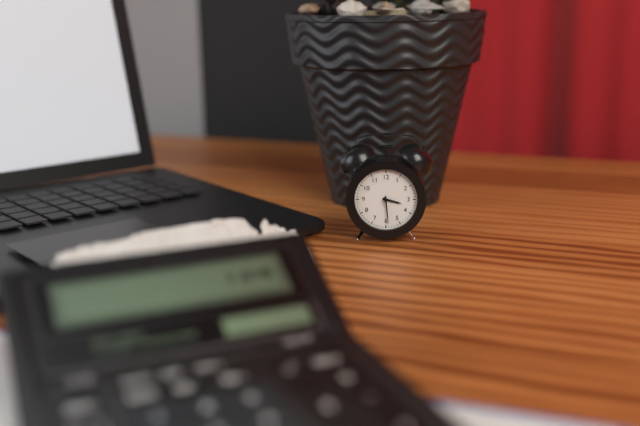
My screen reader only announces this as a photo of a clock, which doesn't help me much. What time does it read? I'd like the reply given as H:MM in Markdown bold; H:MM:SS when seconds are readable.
**3:29**
